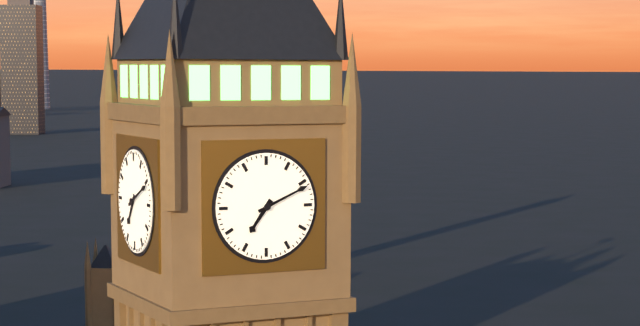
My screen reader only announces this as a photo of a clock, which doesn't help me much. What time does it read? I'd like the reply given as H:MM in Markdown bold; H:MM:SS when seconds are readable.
**7:11**
